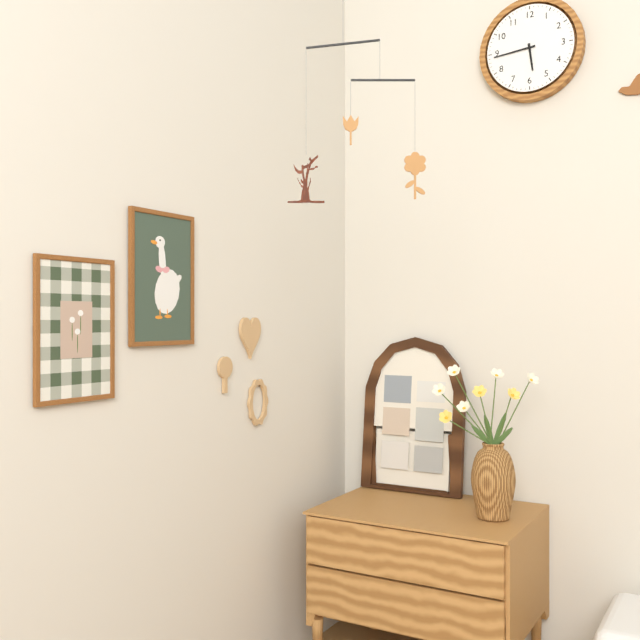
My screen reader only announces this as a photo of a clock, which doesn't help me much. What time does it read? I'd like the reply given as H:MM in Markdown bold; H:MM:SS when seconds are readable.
**5:44**
